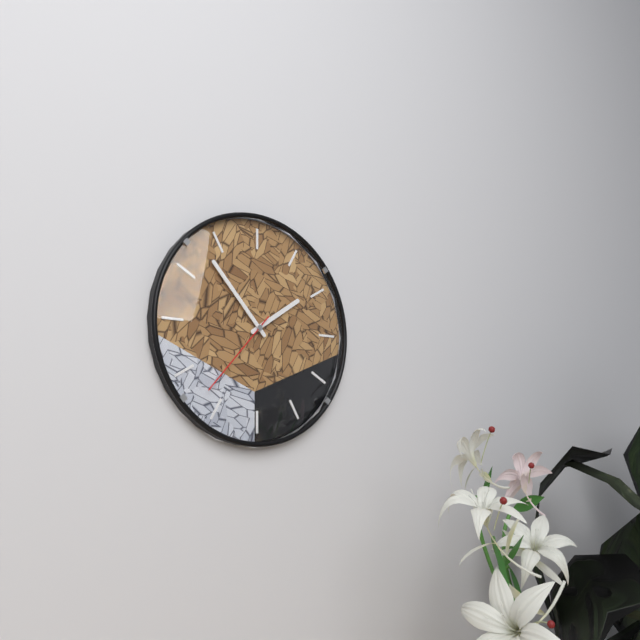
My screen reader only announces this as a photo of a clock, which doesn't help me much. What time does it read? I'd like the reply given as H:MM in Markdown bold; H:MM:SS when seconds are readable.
**1:53:37**
